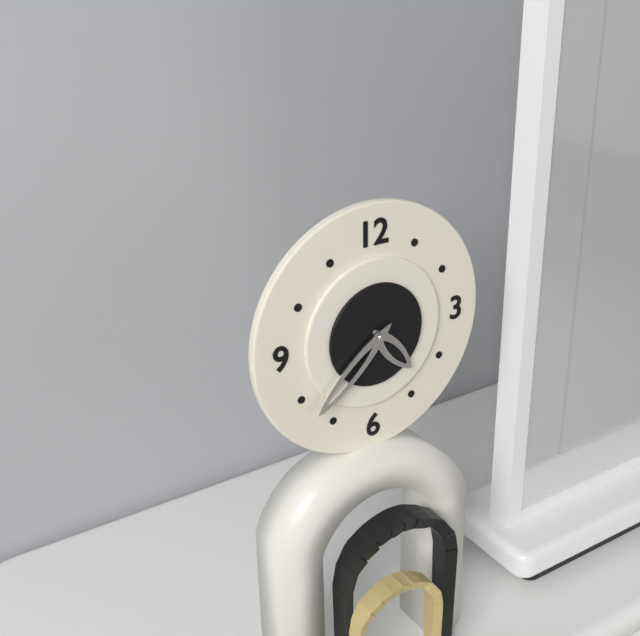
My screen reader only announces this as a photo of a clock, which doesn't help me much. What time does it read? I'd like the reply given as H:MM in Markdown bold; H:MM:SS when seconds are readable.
**4:38**
